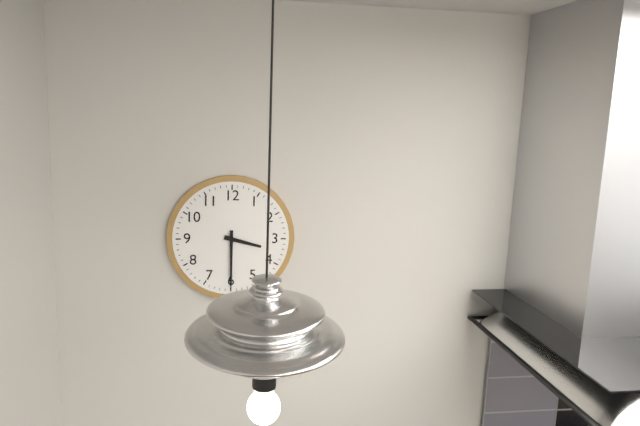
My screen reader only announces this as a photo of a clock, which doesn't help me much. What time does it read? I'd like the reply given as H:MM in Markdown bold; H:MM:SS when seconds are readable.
**3:30**
